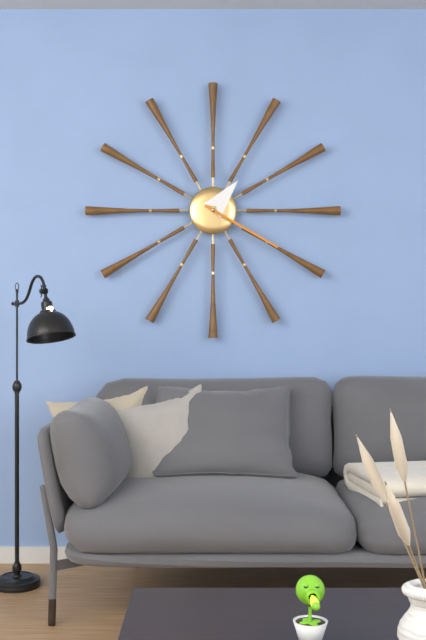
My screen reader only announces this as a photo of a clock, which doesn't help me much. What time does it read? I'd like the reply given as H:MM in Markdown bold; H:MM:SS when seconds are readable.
**1:20**
